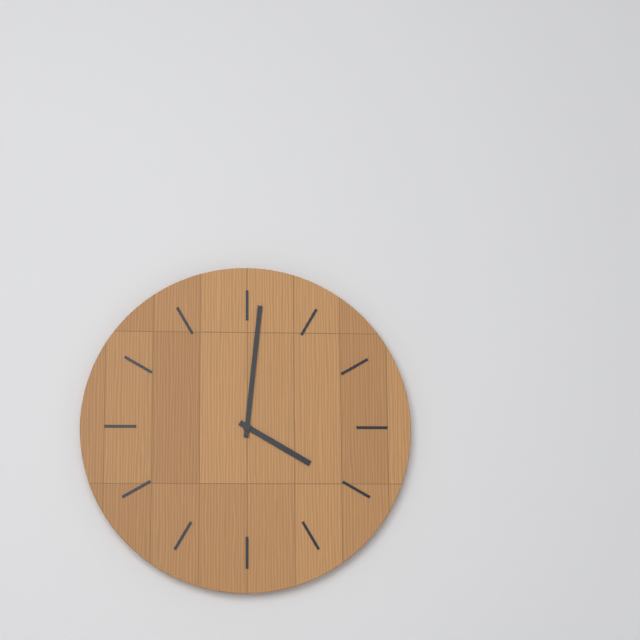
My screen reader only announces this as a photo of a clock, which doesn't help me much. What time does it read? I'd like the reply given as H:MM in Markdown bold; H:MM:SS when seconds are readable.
**4:01**
